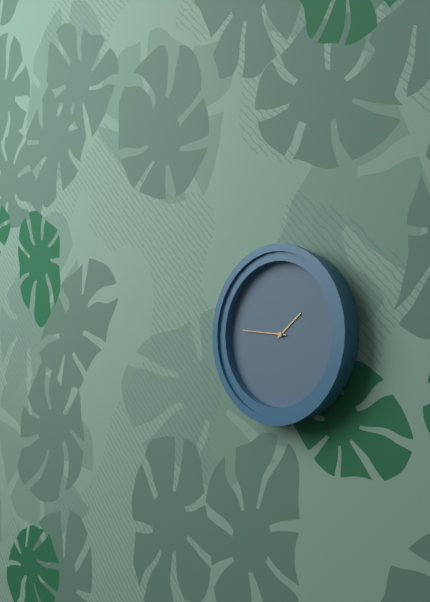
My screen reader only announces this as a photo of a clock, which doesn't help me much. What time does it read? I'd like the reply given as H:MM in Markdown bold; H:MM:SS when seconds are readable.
**1:46**
